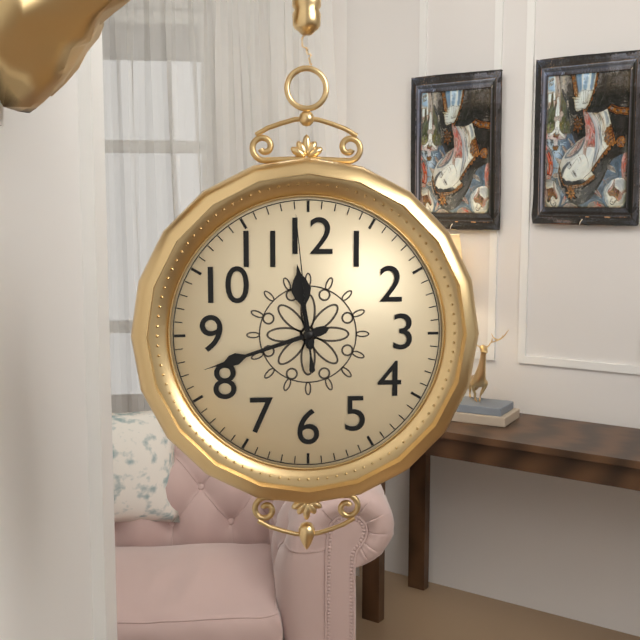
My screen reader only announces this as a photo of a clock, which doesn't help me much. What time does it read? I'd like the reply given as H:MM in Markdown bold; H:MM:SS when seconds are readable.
**11:42:59**
